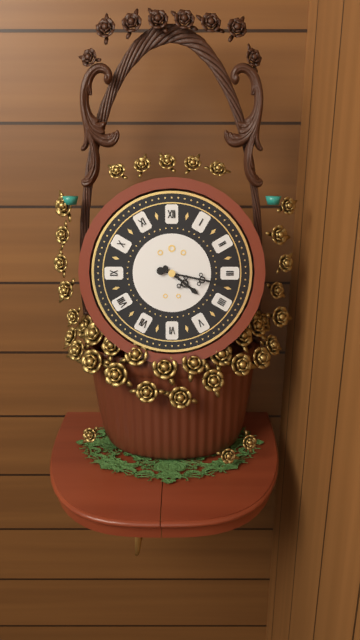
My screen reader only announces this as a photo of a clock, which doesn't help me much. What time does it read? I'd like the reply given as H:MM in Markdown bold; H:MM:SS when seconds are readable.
**4:17**
